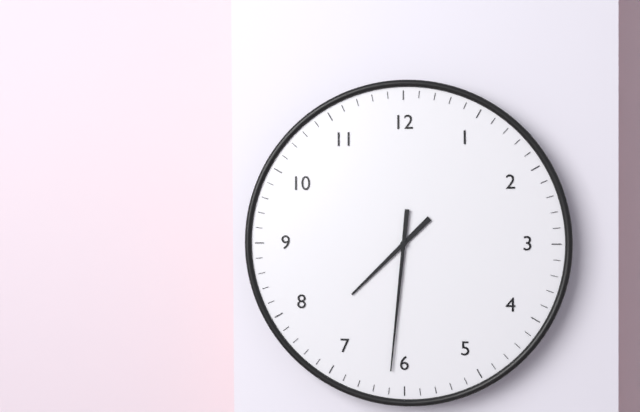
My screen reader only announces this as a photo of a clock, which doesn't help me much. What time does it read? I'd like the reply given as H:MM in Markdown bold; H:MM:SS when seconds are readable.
**7:31**
